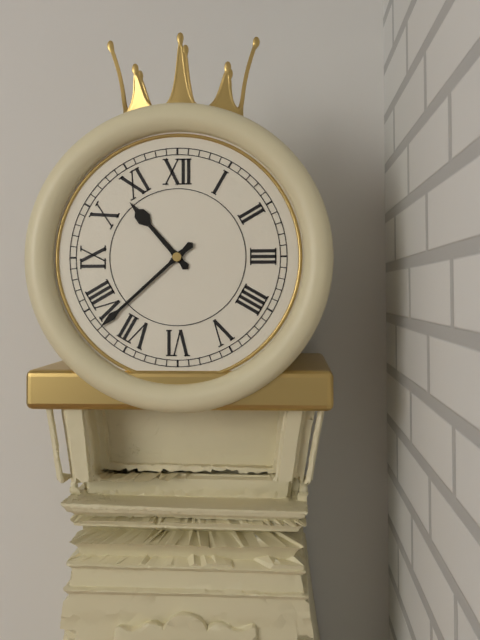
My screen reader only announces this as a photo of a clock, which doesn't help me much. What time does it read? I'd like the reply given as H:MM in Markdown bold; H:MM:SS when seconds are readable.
**10:38**
